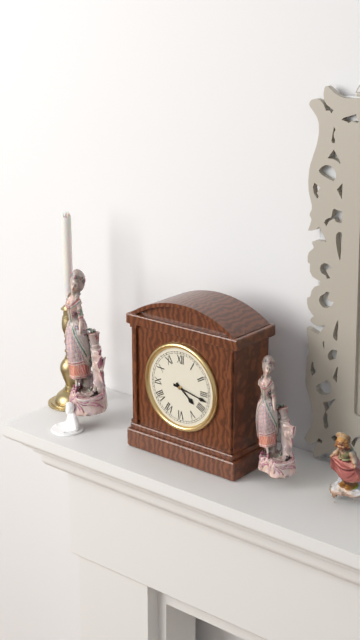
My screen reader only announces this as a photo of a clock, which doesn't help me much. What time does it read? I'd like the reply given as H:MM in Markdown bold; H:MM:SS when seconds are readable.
**4:17**
